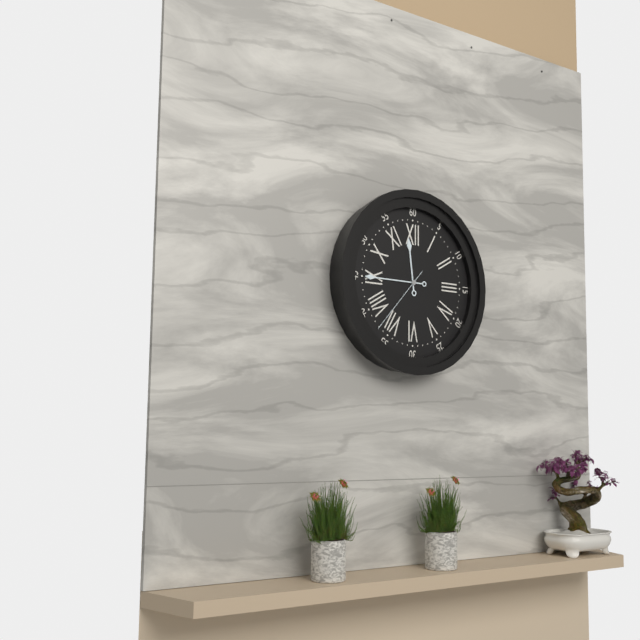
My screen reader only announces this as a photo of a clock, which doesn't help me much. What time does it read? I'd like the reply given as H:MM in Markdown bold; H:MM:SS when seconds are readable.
**11:45:37**
